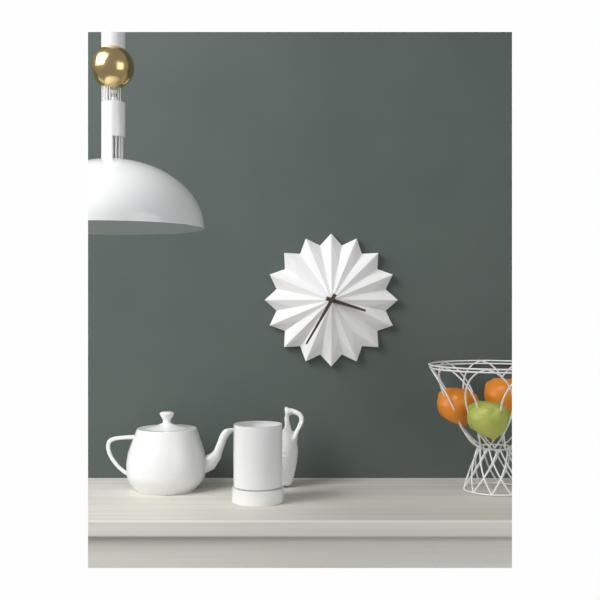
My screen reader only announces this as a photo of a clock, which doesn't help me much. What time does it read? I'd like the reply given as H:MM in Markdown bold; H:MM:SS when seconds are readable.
**3:35**
